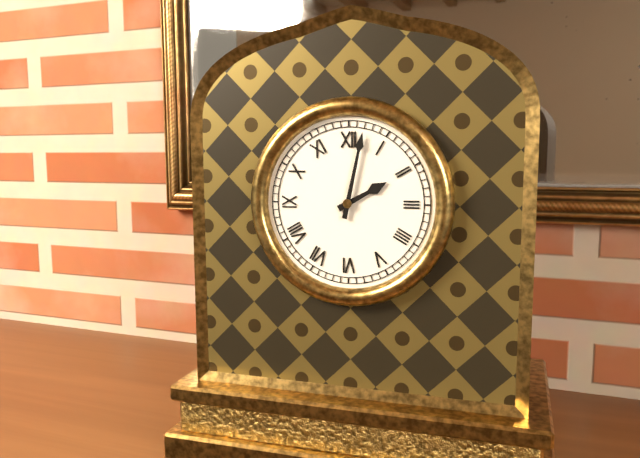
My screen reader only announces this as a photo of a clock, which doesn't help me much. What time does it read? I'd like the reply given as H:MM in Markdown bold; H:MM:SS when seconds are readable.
**2:02**
